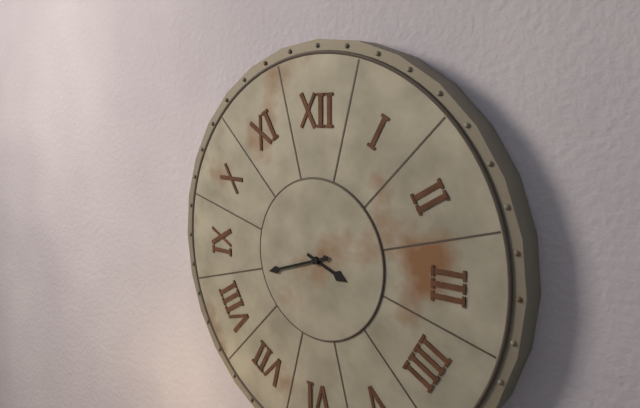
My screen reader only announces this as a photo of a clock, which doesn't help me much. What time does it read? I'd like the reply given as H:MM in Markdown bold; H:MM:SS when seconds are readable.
**3:42**
